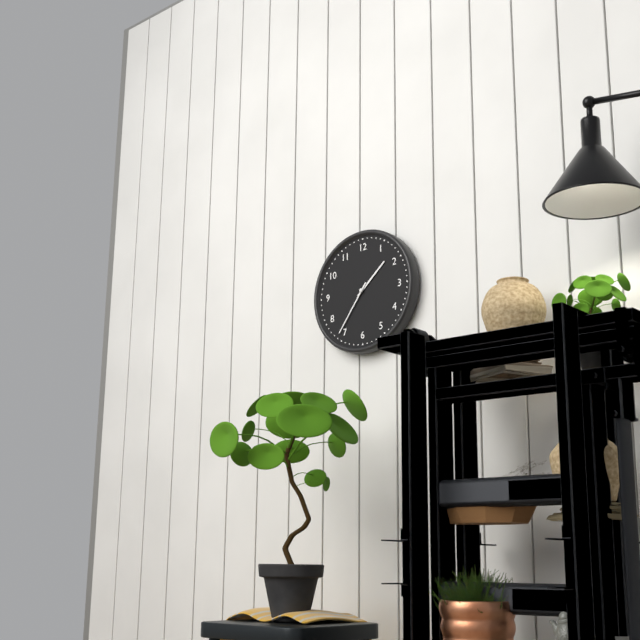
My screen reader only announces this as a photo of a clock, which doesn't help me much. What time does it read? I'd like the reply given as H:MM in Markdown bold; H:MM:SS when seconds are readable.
**1:36**
